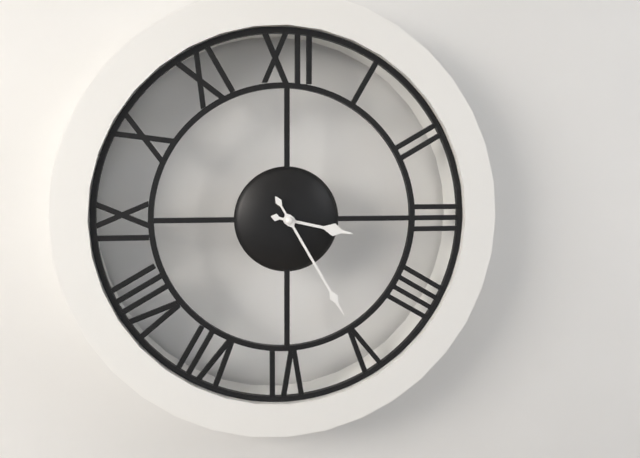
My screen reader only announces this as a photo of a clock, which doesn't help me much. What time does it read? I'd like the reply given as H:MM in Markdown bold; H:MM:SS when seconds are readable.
**3:25**
